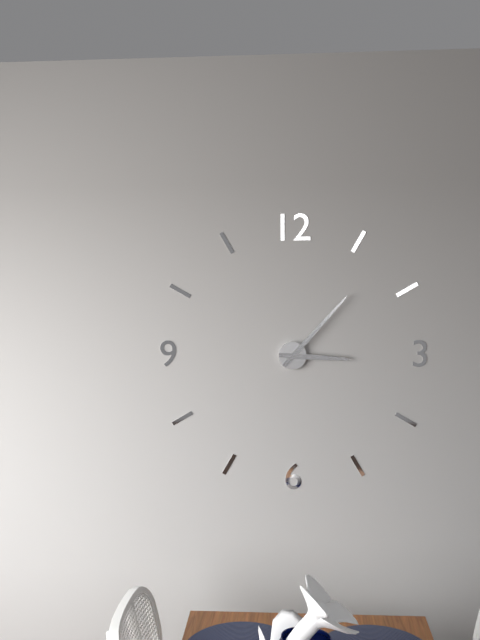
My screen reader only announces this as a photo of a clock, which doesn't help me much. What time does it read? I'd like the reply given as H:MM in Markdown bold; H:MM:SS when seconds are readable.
**3:07**
